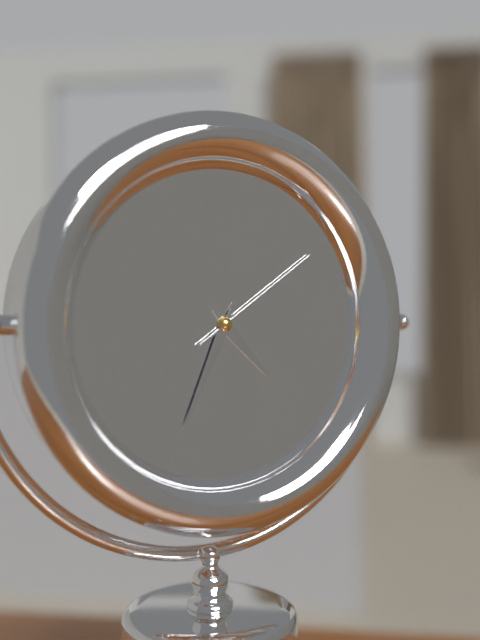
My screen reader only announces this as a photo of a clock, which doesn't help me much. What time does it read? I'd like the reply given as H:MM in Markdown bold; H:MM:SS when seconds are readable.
**4:34:09**
